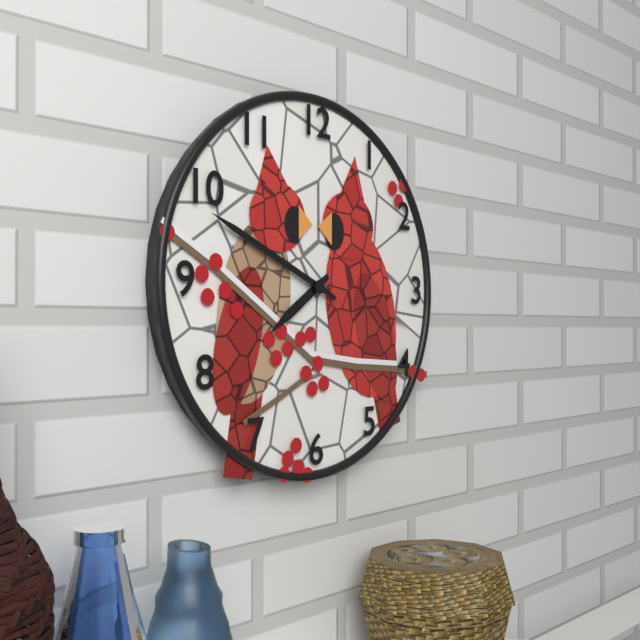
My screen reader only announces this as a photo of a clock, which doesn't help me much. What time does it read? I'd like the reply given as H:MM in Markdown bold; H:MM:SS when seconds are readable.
**7:49**
